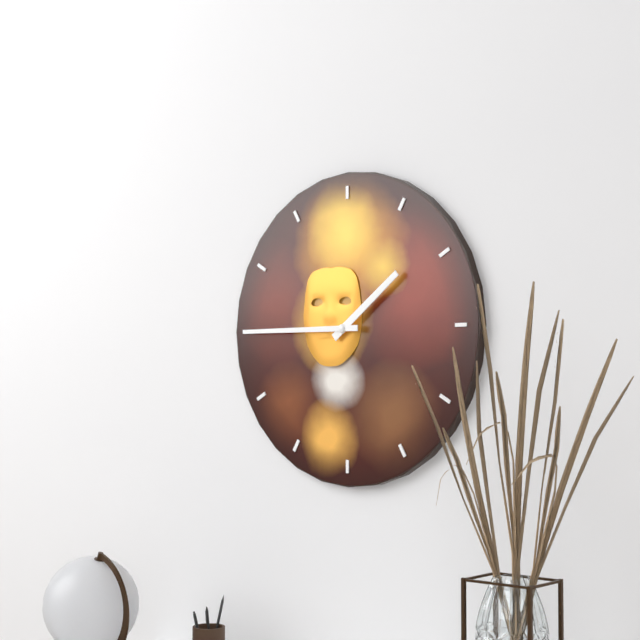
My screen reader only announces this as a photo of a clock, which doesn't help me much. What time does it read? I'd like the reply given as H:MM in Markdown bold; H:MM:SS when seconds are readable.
**1:45**
